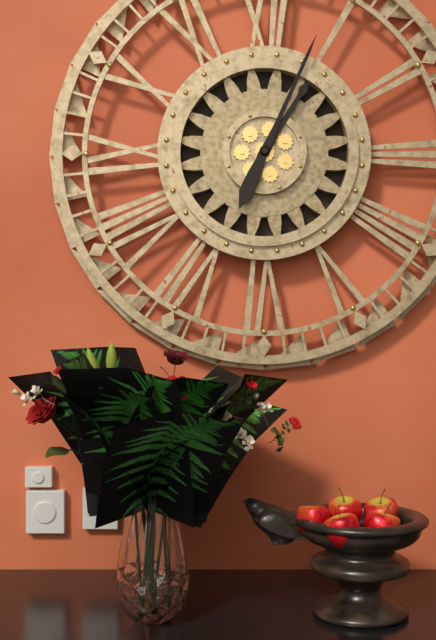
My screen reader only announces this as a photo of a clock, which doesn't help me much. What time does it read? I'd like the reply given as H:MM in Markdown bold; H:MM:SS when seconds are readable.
**1:04**
